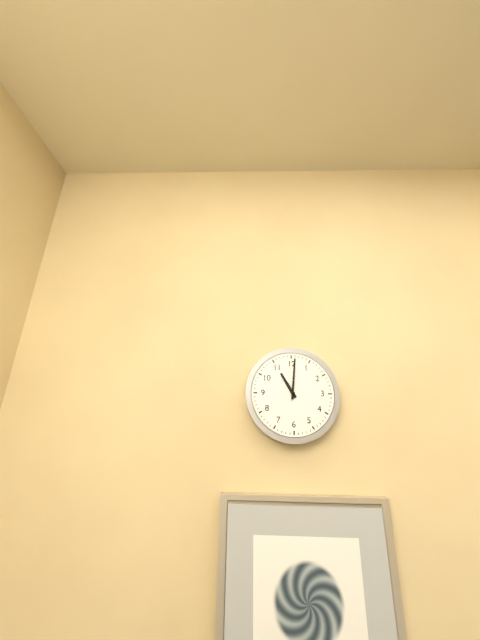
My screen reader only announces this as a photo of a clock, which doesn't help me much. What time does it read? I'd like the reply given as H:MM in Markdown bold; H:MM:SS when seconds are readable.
**11:01**
